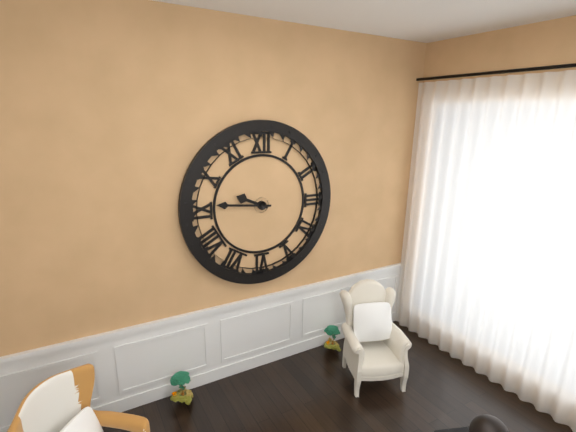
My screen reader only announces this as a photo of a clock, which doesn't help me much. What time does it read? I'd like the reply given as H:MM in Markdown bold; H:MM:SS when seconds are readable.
**9:46**
